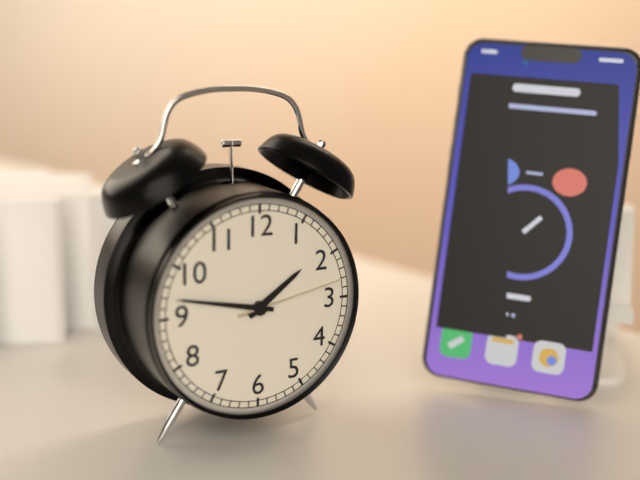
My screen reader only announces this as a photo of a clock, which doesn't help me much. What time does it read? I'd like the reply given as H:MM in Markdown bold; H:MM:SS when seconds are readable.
**1:47:13**
